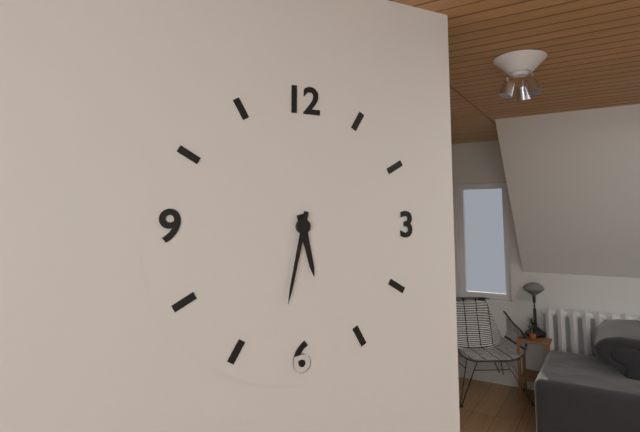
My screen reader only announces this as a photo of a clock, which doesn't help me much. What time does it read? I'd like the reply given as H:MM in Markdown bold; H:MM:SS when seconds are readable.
**5:32**
